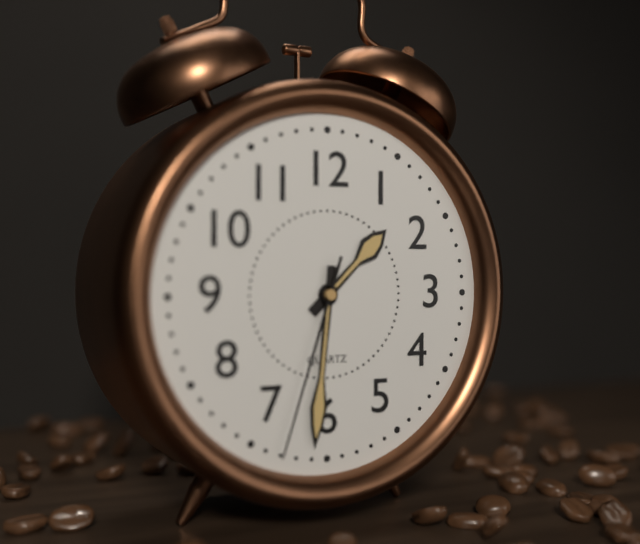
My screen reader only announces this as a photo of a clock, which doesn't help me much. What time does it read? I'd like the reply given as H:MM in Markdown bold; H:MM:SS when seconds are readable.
**1:31:33**
